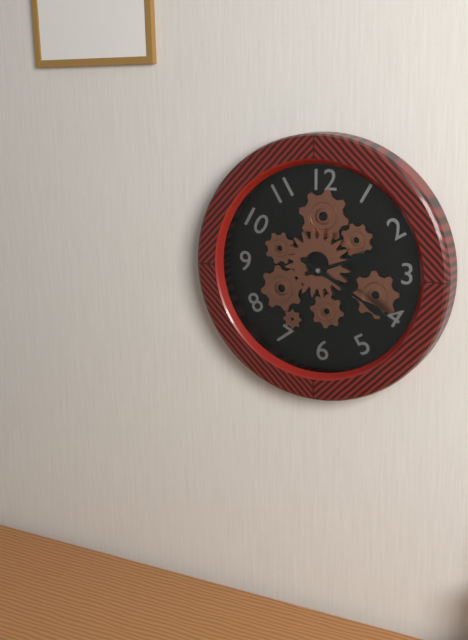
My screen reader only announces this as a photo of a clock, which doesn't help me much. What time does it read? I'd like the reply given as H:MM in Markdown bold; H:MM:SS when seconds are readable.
**2:20**
